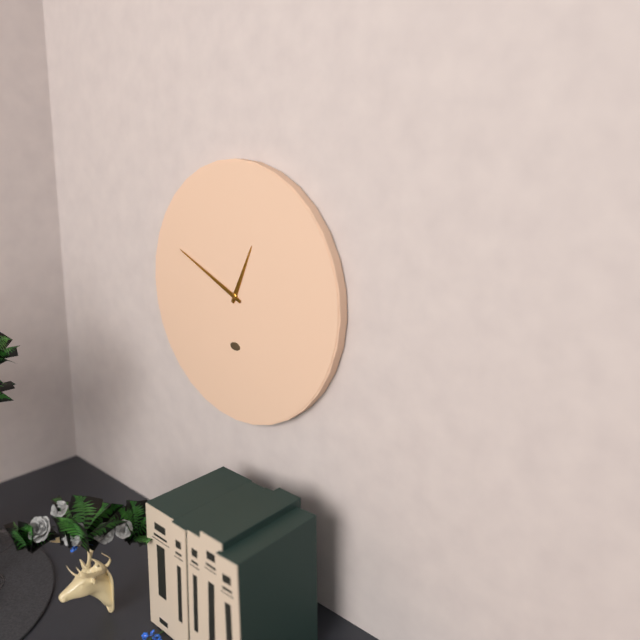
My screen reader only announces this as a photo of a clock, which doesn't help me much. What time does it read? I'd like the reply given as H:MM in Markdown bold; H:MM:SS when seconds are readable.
**12:49**
